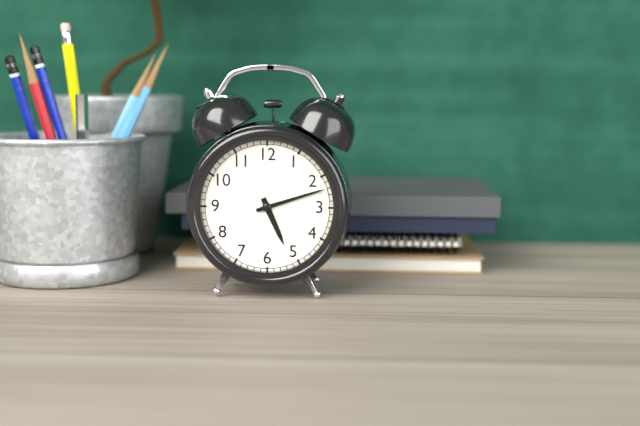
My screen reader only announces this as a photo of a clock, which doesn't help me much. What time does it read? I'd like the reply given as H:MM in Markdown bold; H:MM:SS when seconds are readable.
**5:12**
